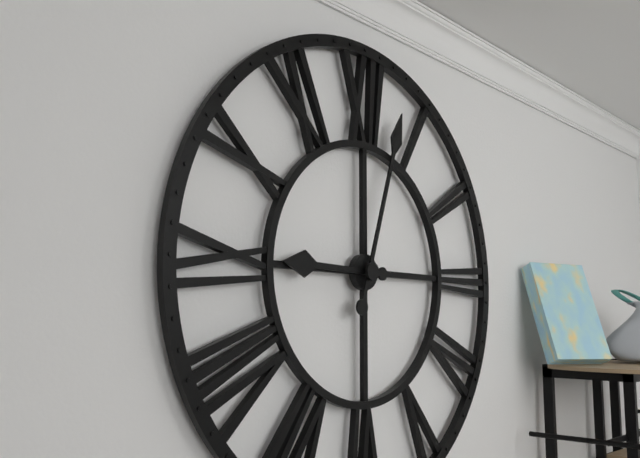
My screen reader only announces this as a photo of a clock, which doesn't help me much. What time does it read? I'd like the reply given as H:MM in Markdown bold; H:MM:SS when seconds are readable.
**9:03**
